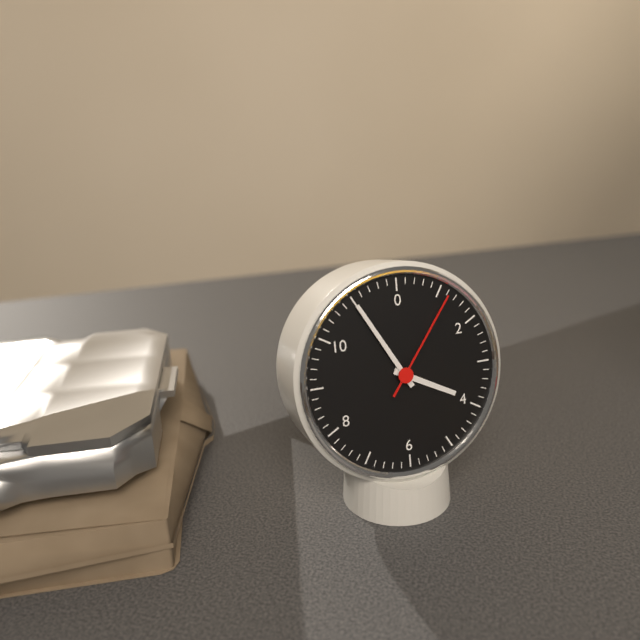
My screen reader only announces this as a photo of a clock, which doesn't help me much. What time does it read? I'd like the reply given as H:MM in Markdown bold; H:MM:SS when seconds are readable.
**3:55:06**
